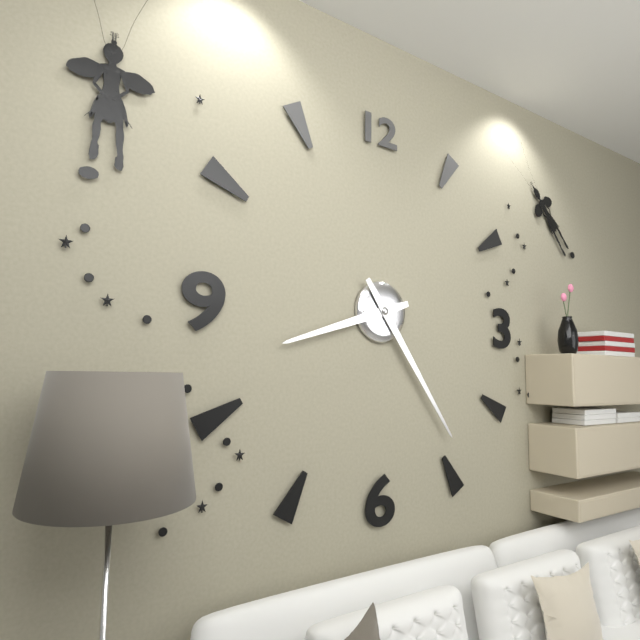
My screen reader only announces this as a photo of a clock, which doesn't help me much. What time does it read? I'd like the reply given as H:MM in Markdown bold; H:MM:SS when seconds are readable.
**8:24**
